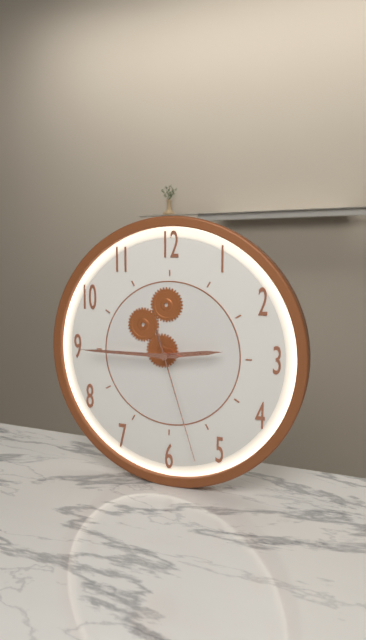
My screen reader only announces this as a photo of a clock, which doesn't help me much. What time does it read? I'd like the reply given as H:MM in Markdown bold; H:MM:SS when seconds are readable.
**2:45:27**
